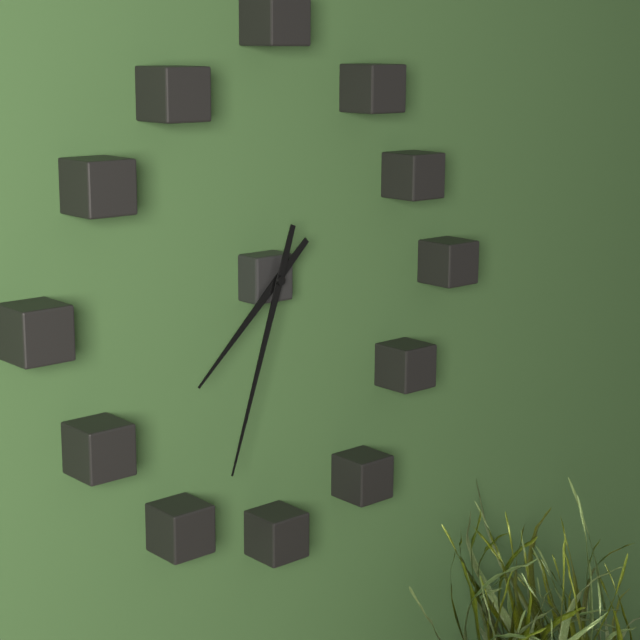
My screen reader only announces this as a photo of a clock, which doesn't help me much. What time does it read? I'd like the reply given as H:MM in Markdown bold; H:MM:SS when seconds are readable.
**7:33**
